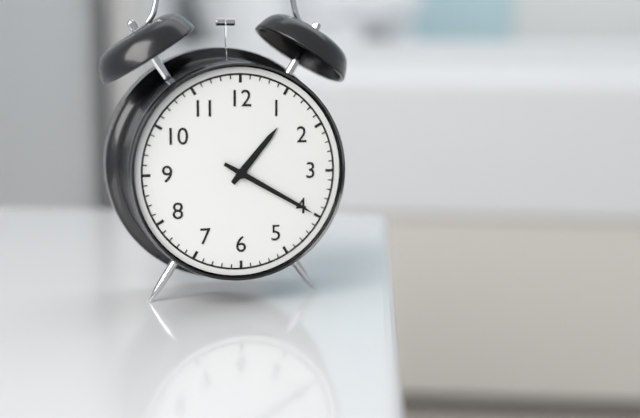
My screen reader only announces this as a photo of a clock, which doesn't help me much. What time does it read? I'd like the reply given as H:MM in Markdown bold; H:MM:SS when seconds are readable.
**1:20**
